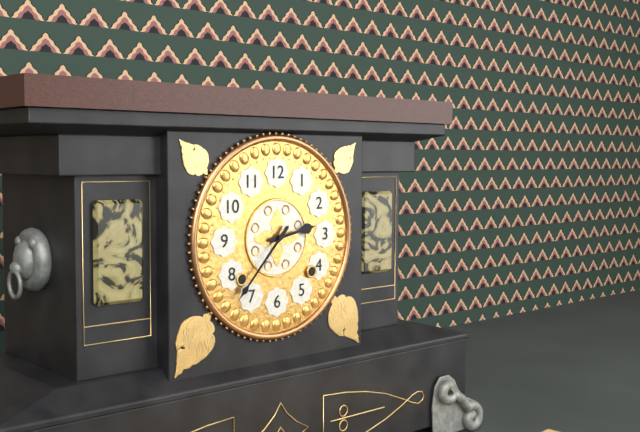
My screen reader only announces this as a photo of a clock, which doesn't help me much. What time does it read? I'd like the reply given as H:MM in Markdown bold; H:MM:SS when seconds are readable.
**2:37**
